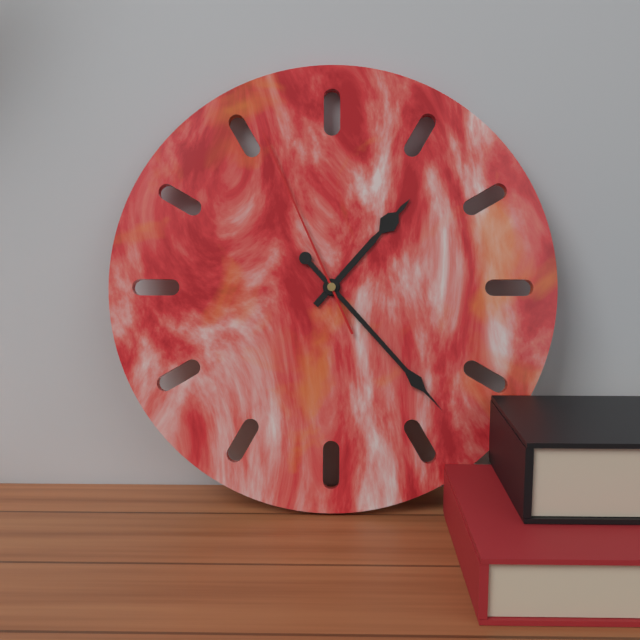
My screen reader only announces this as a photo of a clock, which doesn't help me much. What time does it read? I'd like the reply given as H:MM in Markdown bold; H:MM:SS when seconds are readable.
**1:23:56**
